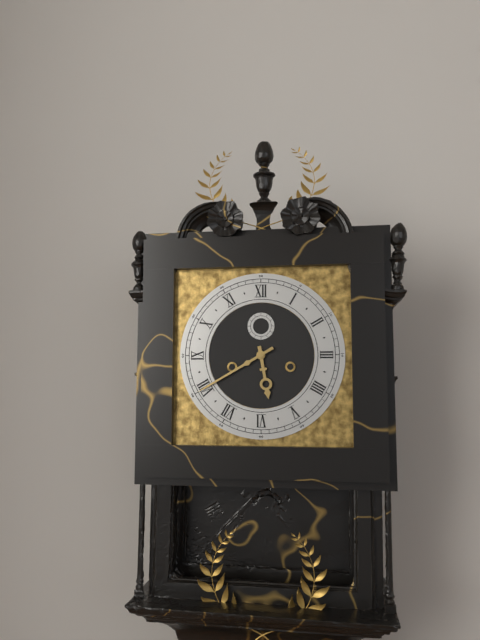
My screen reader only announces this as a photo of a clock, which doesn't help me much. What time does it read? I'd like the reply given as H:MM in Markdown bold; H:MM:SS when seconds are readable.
**5:40**
